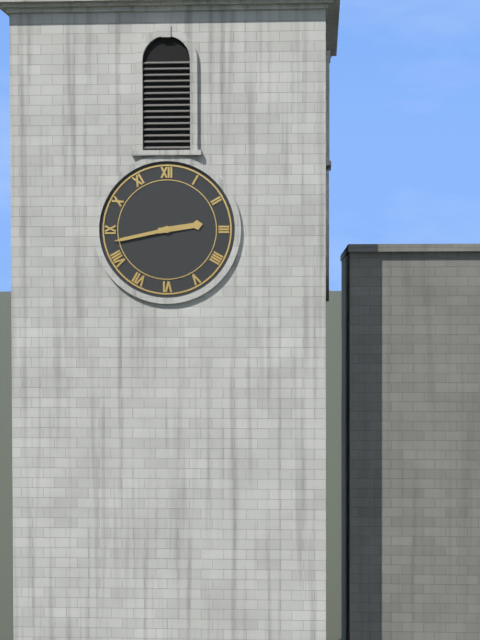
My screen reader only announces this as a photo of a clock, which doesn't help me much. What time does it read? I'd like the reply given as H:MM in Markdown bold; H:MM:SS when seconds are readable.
**2:43**
